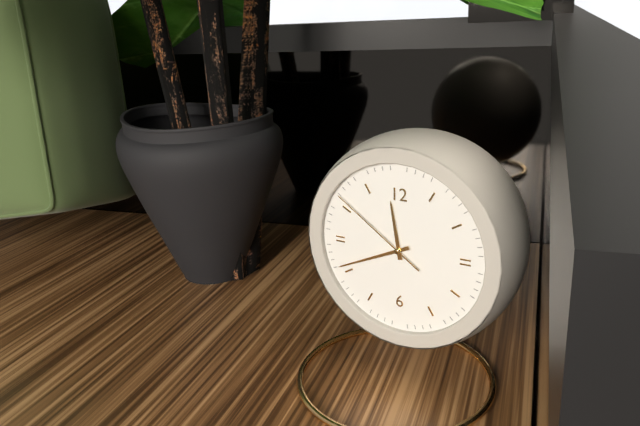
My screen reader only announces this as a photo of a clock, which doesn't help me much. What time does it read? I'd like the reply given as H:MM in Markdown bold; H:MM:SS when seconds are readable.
**11:41:51**
